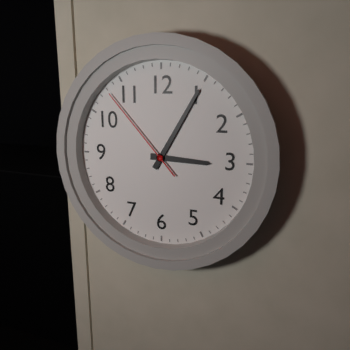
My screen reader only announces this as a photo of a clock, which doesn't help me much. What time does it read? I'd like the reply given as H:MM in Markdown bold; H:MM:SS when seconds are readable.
**3:05:53**
